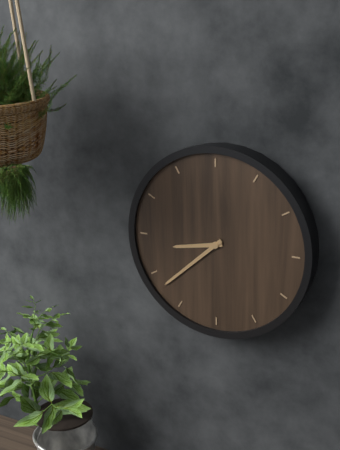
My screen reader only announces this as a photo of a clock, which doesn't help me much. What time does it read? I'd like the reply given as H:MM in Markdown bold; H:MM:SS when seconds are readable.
**8:38**
